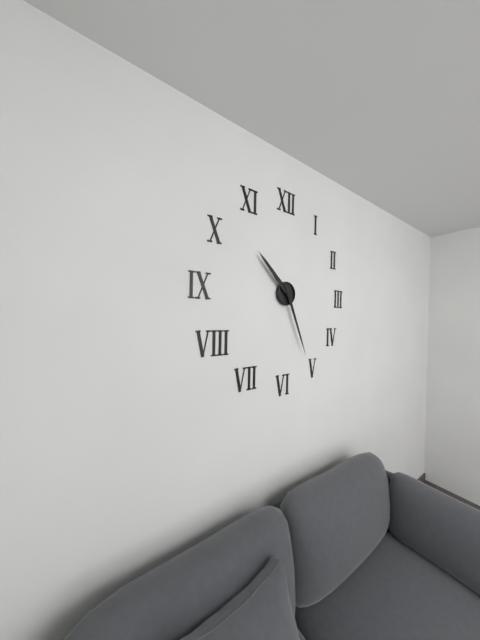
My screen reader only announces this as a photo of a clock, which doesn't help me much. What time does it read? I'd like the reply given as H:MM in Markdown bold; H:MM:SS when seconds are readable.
**10:26**
